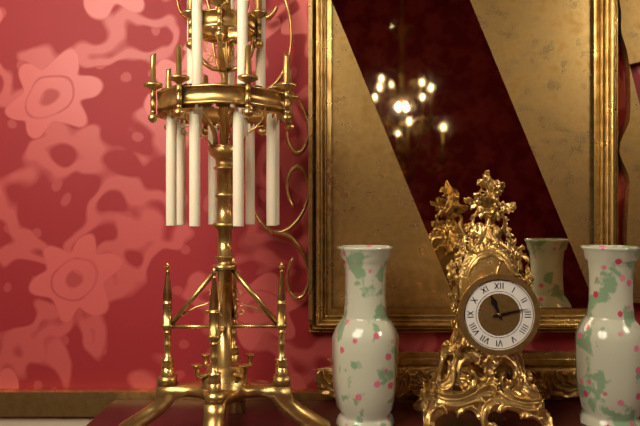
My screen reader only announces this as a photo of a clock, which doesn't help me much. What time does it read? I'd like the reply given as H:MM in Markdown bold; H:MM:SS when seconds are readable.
**11:13**
